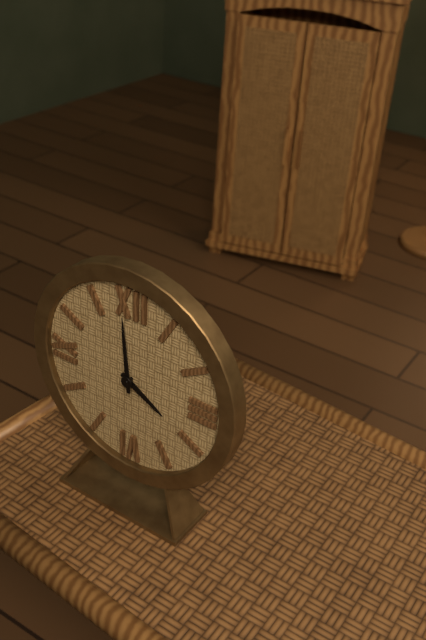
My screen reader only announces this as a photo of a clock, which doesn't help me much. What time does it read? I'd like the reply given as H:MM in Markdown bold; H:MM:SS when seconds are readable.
**3:59**
